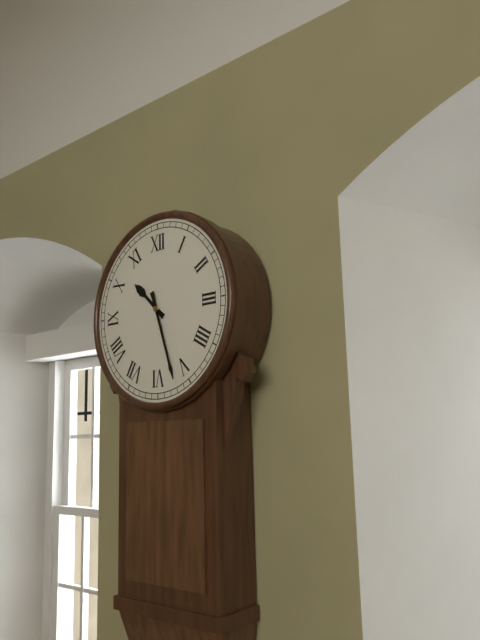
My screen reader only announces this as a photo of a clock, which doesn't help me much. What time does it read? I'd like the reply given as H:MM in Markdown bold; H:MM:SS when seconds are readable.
**10:27**
